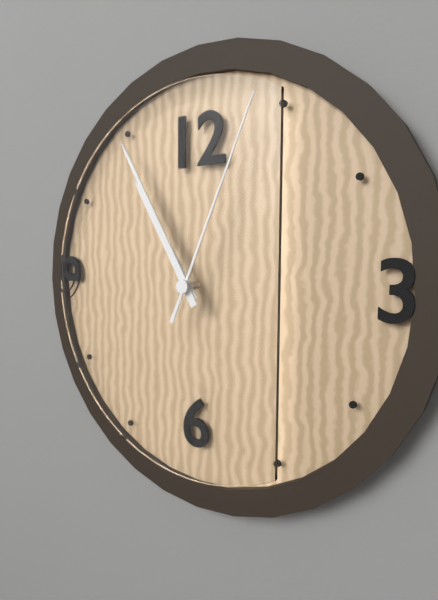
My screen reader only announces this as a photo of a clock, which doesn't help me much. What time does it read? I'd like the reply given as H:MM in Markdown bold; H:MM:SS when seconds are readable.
**10:55:04**
